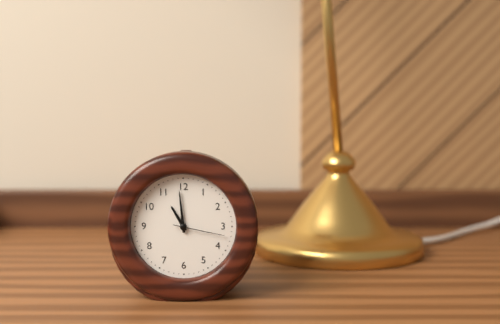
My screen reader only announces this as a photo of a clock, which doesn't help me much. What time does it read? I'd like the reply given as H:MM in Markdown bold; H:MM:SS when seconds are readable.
**10:59:17**
